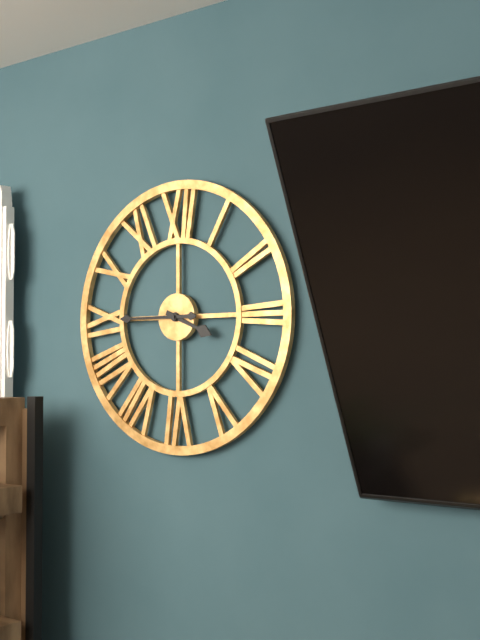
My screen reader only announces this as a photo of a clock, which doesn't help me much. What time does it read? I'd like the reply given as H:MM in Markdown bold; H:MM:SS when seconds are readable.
**3:45**
